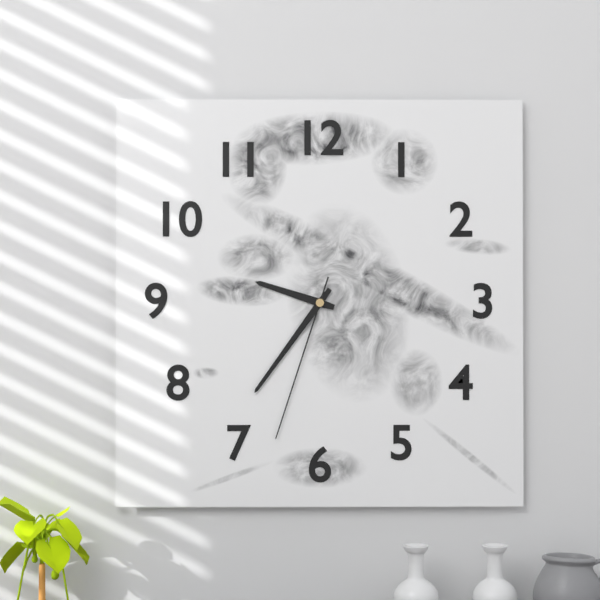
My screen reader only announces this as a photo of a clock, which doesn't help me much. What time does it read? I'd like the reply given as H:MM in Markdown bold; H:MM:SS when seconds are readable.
**9:36:33**
